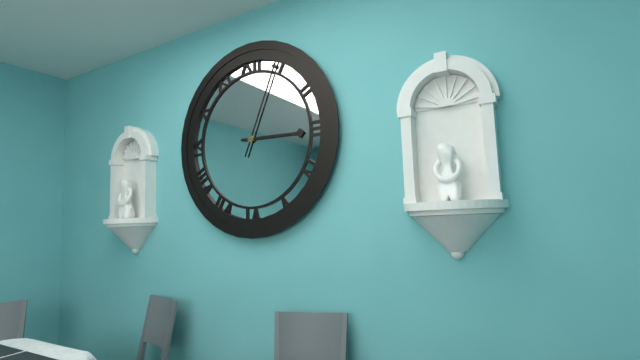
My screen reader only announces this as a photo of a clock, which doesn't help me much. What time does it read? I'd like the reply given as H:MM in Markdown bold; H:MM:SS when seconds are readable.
**3:04**
